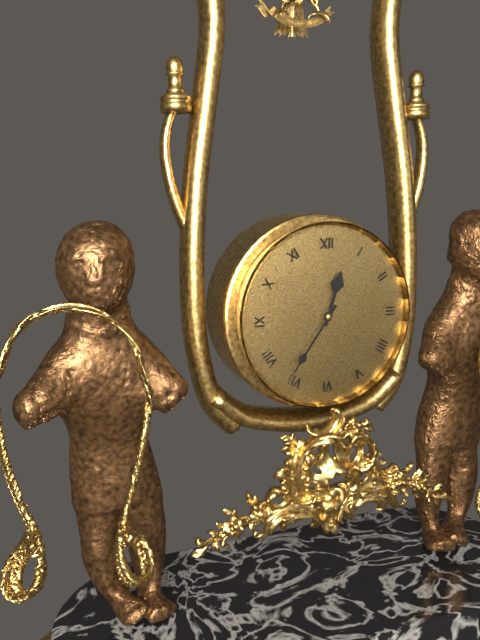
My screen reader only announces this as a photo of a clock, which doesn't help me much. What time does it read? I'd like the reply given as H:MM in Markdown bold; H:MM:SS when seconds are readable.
**12:36**
